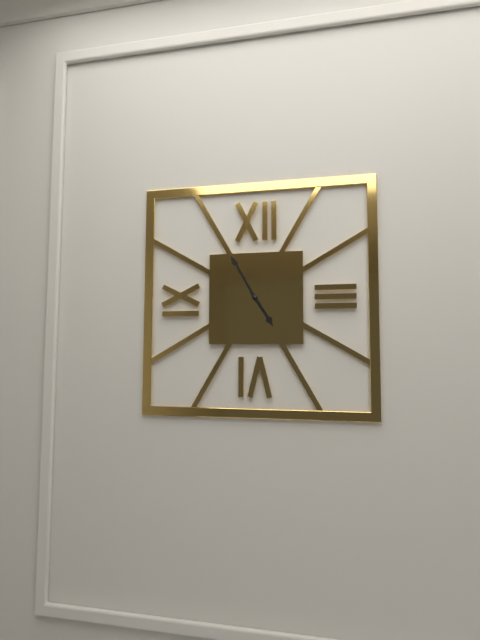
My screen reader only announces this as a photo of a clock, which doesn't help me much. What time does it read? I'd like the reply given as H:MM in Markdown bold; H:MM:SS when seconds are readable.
**4:55**
